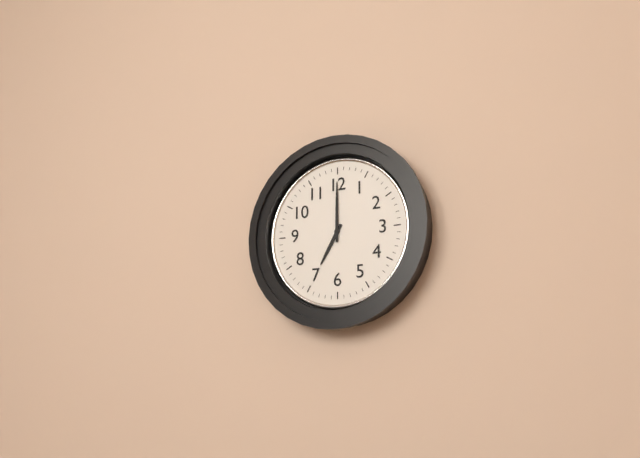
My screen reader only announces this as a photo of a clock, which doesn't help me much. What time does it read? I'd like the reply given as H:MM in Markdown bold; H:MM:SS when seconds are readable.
**7:00**
